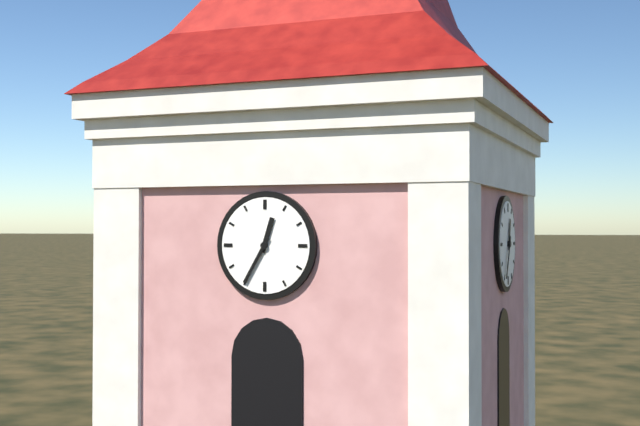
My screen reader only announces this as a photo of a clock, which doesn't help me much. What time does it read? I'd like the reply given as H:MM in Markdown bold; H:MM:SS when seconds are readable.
**12:35**
